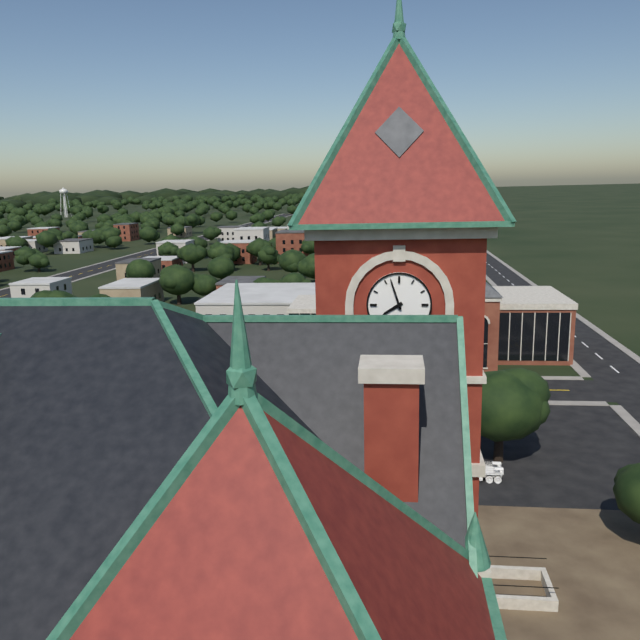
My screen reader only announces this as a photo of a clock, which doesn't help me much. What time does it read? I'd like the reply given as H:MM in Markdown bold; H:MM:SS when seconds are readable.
**7:57**
